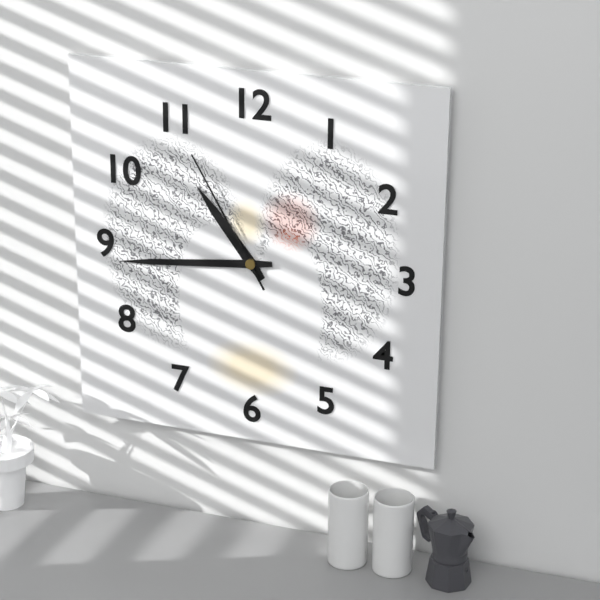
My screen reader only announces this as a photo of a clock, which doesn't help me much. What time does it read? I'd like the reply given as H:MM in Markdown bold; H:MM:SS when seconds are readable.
**10:44:55**
